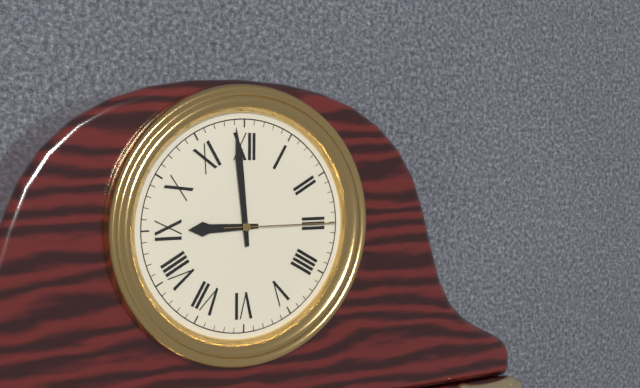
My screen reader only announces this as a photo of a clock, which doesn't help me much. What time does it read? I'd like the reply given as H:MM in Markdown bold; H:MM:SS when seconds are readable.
**8:59:15**
